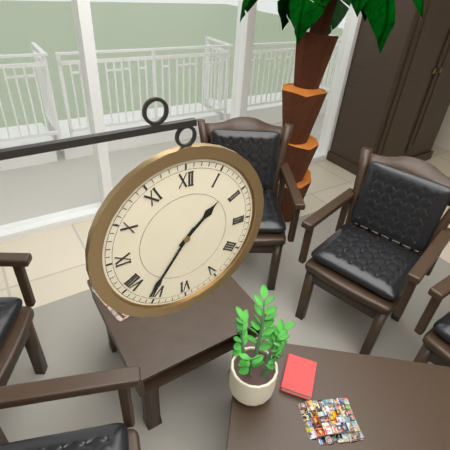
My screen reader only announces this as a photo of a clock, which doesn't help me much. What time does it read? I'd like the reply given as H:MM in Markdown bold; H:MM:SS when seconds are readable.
**1:36**
